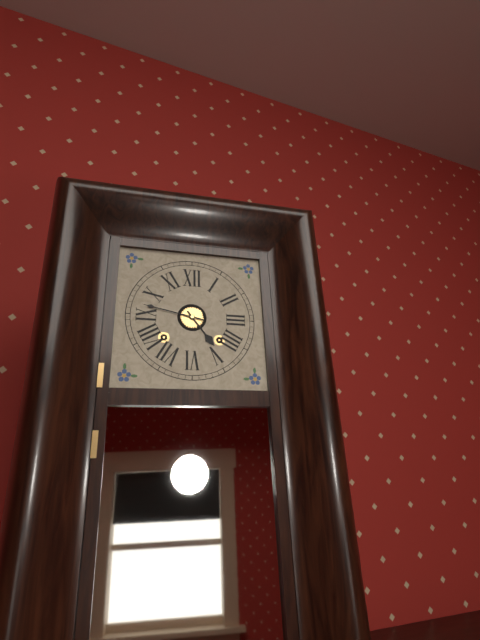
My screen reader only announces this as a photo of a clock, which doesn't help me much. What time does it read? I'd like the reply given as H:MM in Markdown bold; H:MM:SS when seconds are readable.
**4:47**
